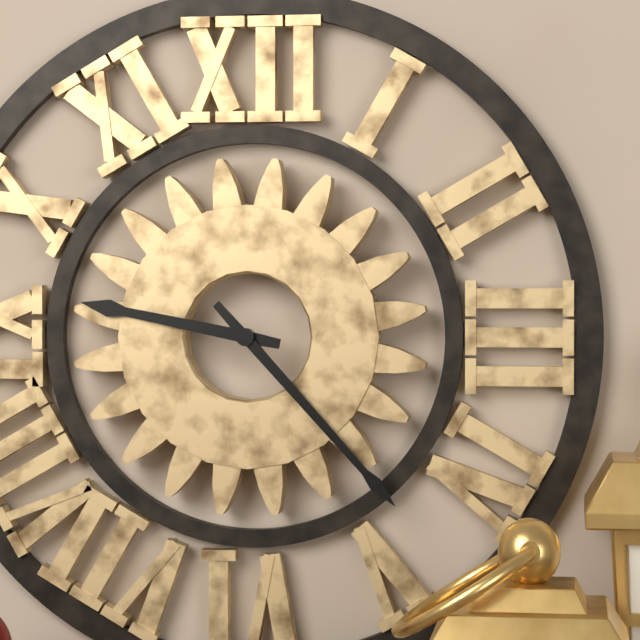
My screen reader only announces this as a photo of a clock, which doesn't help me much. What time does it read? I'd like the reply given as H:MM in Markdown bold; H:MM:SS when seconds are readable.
**9:23**
